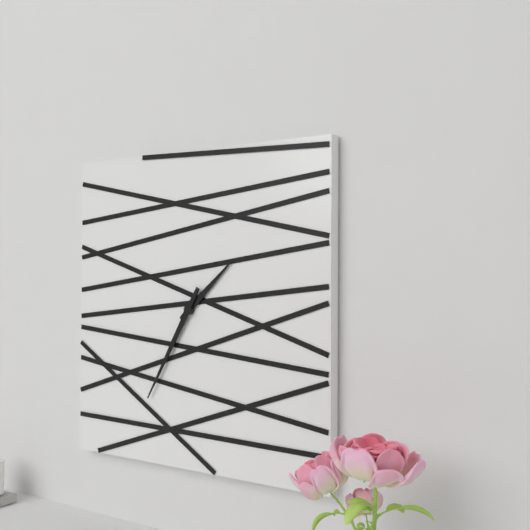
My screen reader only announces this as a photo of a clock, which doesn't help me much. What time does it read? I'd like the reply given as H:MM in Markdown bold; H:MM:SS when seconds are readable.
**1:35**
